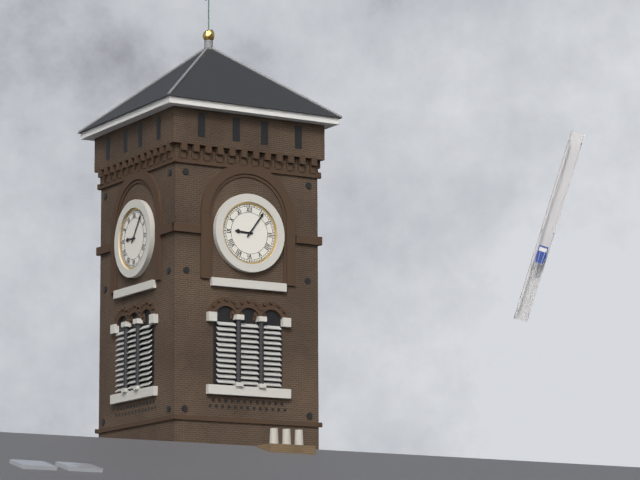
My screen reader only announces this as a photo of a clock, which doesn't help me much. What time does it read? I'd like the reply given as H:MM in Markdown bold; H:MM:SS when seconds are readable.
**9:06**
